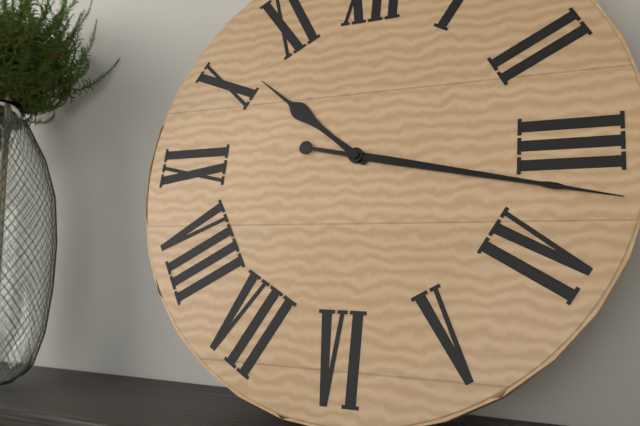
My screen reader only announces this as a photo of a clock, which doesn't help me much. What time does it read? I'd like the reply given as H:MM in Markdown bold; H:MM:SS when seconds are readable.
**10:17**
